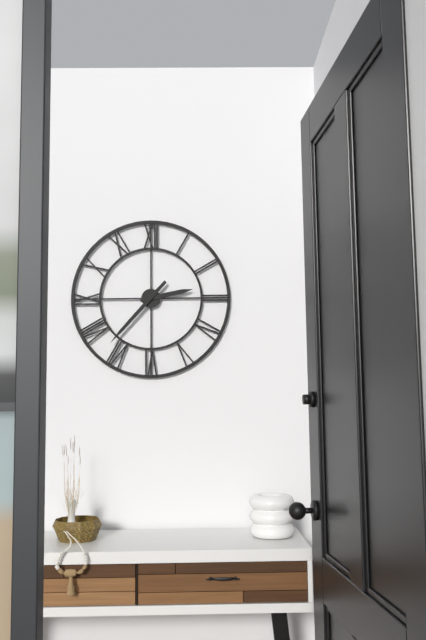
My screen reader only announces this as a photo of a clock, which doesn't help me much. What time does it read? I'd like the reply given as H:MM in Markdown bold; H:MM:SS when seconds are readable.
**2:37**
